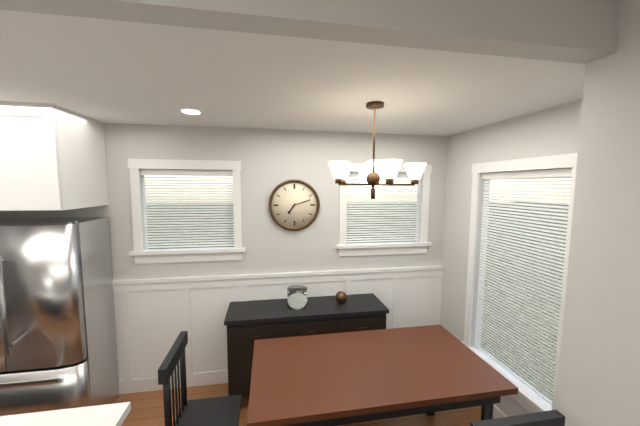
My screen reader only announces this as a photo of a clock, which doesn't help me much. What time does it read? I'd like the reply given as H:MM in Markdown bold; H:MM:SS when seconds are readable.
**7:12**
